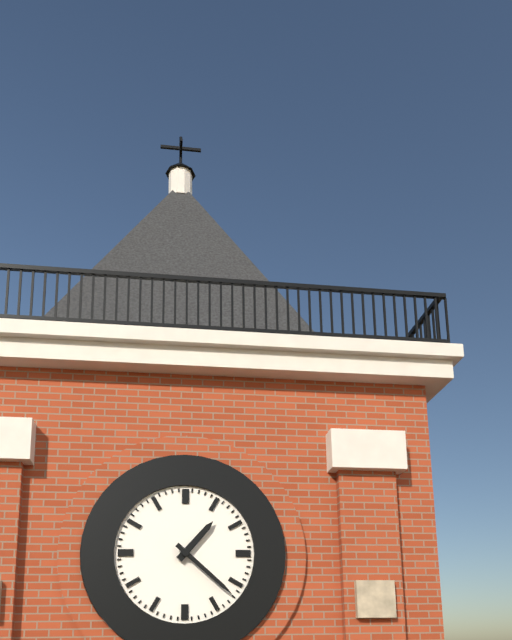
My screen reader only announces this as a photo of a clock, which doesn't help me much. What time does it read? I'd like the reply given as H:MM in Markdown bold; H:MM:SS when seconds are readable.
**1:22**
